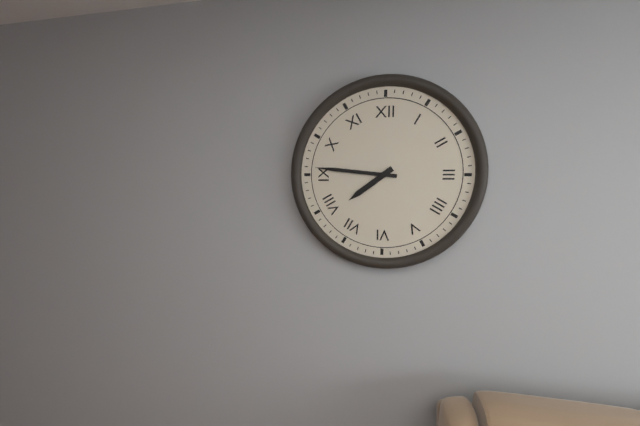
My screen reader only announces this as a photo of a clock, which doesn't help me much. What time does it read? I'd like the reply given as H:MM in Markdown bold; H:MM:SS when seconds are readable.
**7:46**
